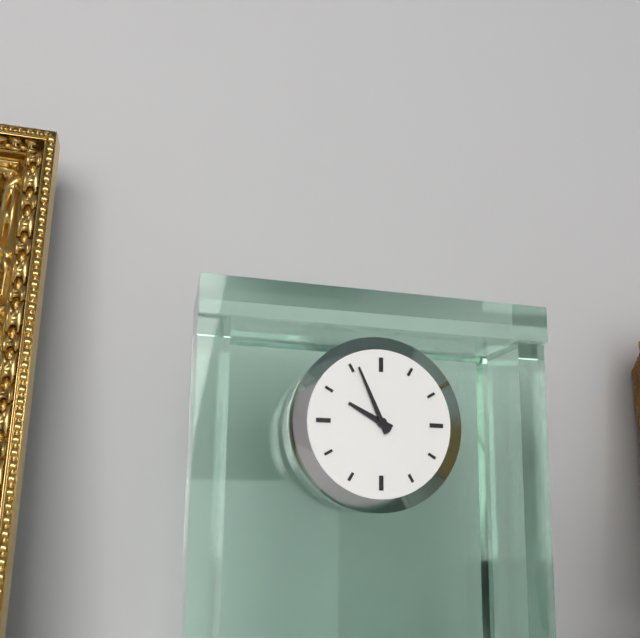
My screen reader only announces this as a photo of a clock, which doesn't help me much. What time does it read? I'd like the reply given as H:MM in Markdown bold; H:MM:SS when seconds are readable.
**9:56**
